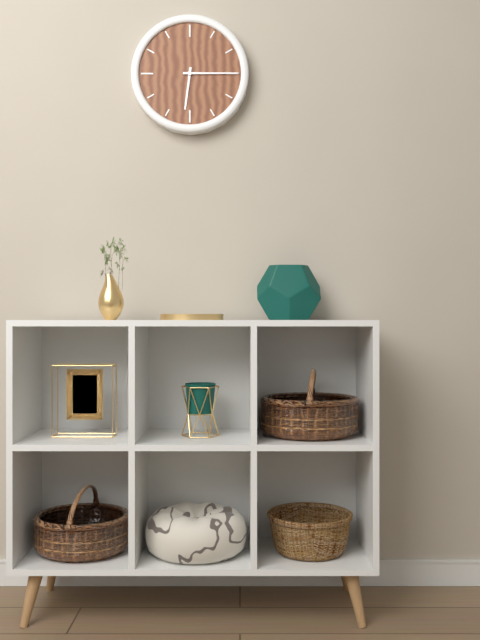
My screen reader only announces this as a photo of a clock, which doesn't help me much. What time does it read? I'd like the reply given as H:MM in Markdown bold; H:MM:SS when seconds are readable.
**6:15**
